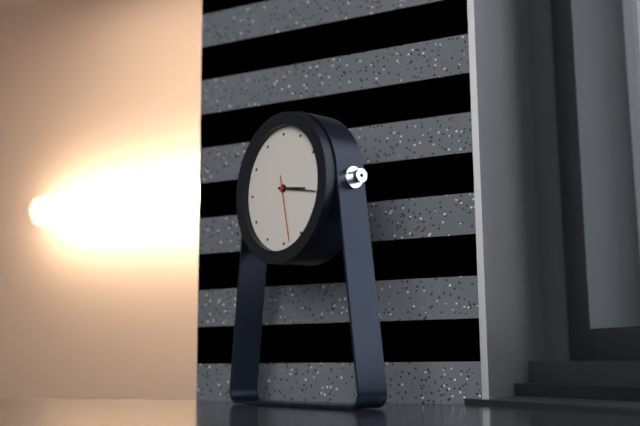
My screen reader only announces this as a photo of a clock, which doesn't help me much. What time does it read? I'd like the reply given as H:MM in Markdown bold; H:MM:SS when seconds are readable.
**3:17:28**
